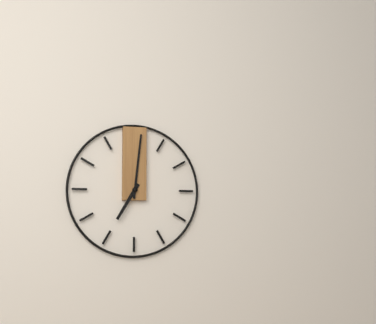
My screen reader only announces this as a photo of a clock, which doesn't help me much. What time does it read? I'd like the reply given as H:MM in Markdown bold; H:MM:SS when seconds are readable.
**7:01**
